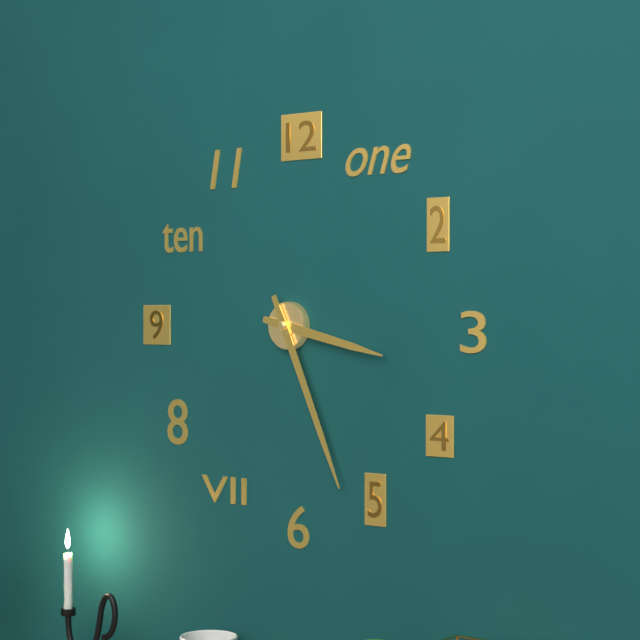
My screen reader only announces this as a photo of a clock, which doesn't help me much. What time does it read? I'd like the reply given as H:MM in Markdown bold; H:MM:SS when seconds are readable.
**3:26**
